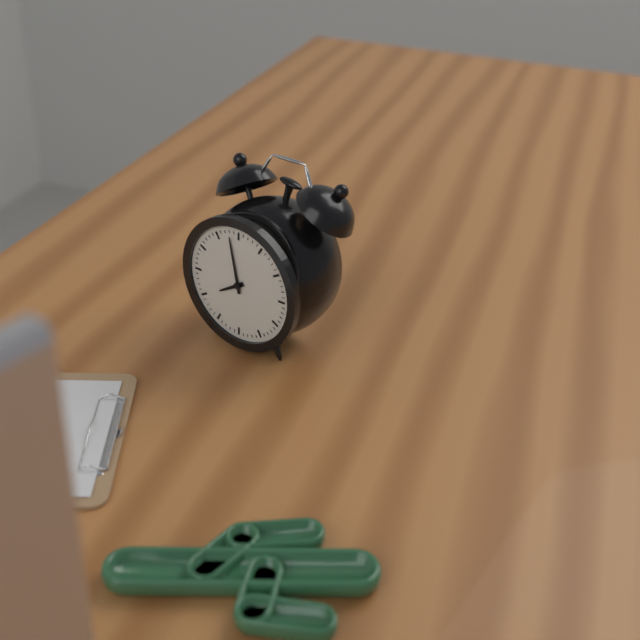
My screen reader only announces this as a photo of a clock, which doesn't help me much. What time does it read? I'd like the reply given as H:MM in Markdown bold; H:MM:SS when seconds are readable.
**7:58**
